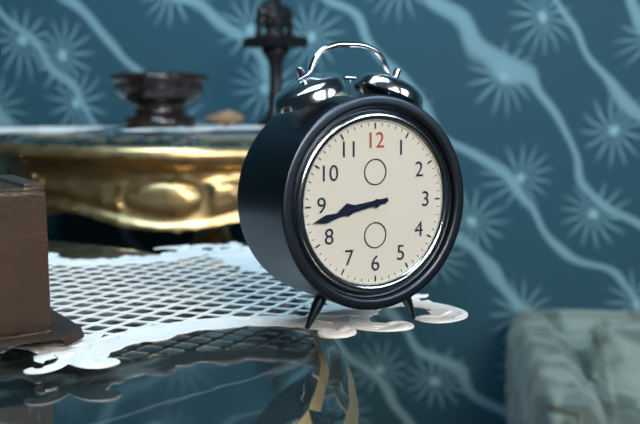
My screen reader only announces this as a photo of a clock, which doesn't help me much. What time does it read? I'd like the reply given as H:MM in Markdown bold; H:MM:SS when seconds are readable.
**8:43**
